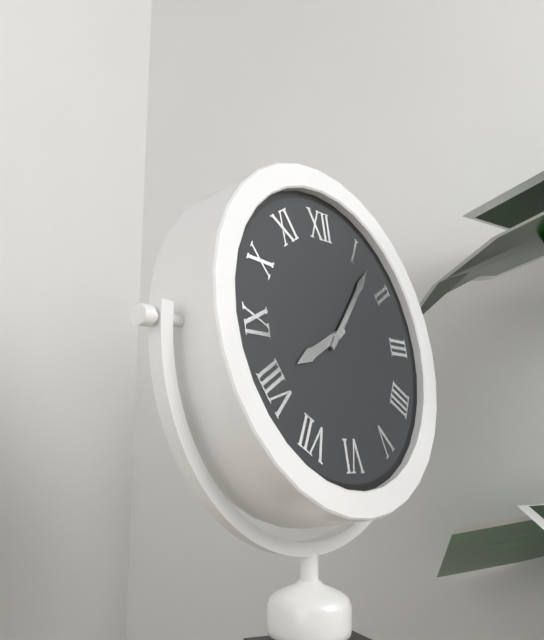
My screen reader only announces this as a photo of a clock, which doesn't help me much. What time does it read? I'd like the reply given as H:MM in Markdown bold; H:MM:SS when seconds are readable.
**8:07**
